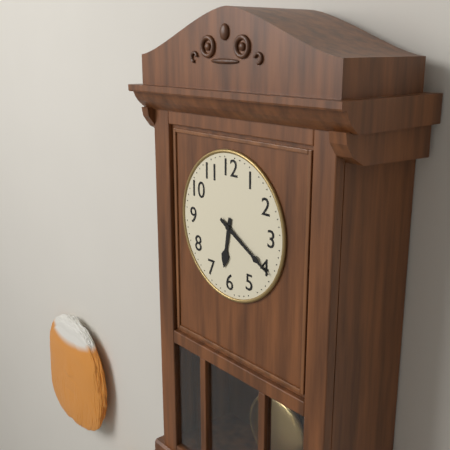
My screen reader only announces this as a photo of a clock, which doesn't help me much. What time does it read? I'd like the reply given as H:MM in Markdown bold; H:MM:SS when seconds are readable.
**6:20**
